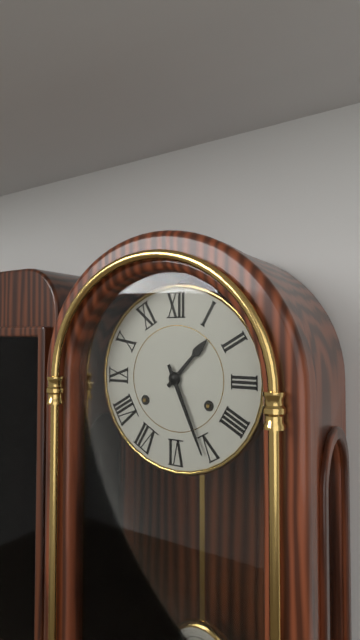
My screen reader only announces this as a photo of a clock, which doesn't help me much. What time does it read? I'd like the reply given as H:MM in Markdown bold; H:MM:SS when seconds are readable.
**1:26**
